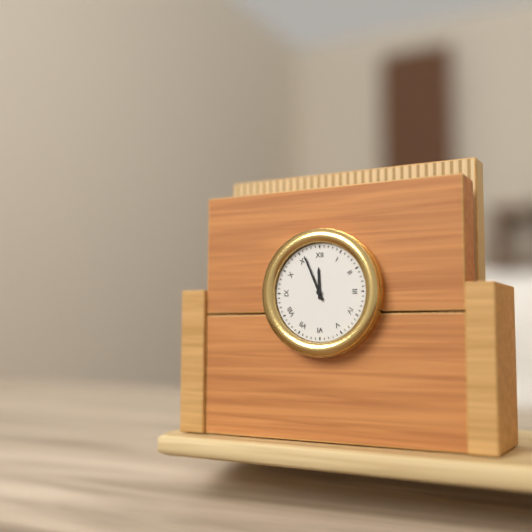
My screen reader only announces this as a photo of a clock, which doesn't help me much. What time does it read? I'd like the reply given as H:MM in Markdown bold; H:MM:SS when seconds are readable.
**11:56**
